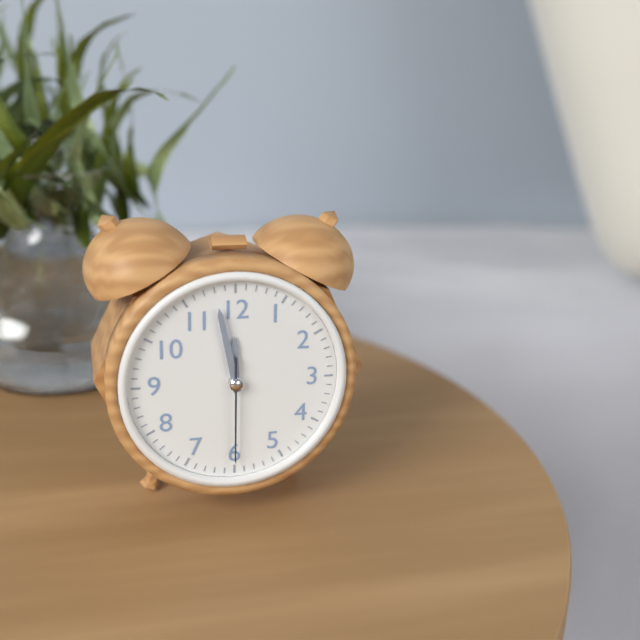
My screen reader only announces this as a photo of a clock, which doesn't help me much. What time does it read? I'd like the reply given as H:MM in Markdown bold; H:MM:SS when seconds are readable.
**11:58:30**
